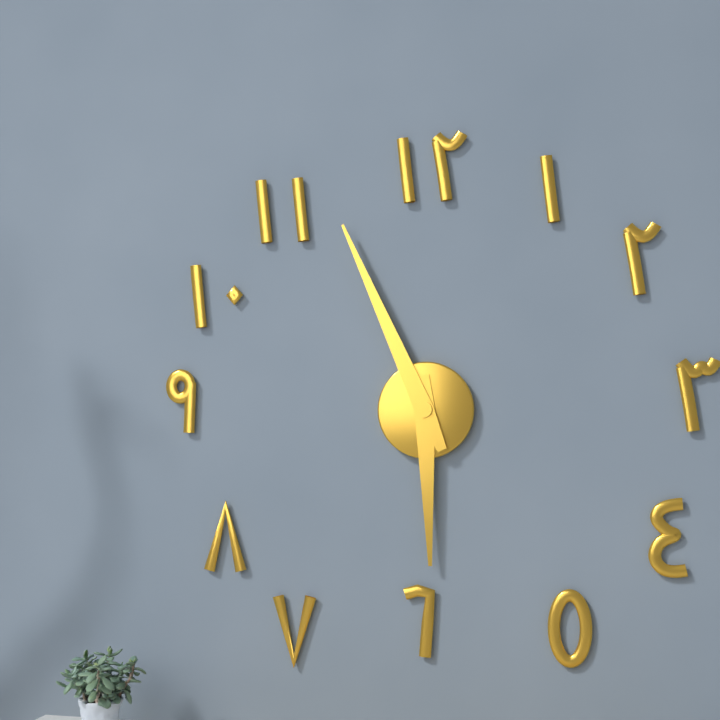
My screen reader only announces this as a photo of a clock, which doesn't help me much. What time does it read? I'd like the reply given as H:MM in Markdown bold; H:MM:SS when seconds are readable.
**5:56**
